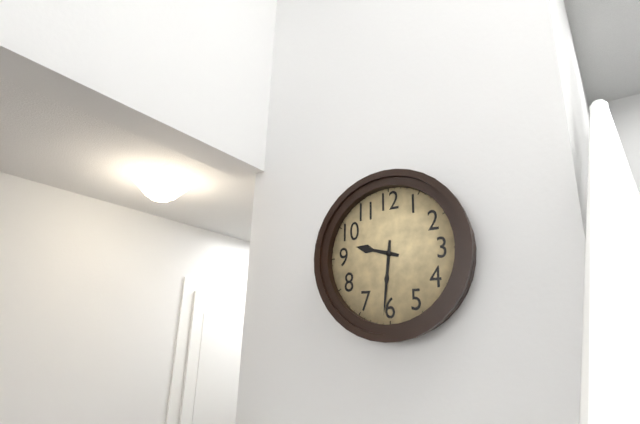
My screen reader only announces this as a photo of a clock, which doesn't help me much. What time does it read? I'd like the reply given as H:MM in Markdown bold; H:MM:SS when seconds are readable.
**9:31**
